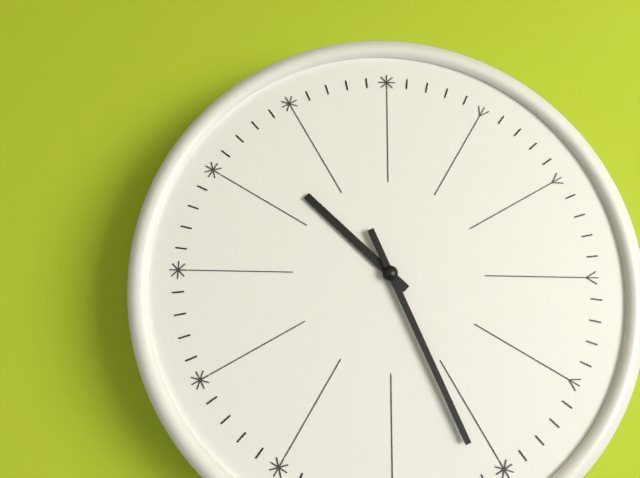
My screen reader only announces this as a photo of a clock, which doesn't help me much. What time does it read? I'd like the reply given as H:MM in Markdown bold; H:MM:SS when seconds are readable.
**10:26**
